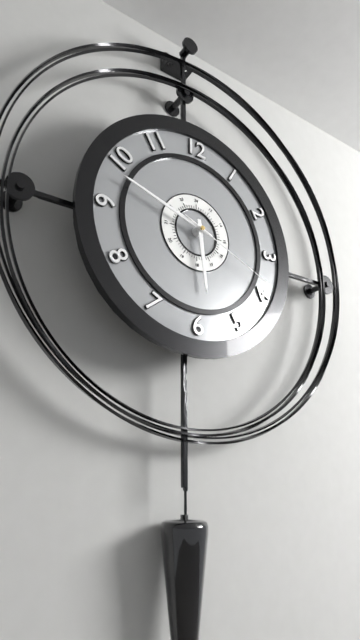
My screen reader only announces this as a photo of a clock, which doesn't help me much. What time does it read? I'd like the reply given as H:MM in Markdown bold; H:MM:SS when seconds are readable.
**5:48:19**
